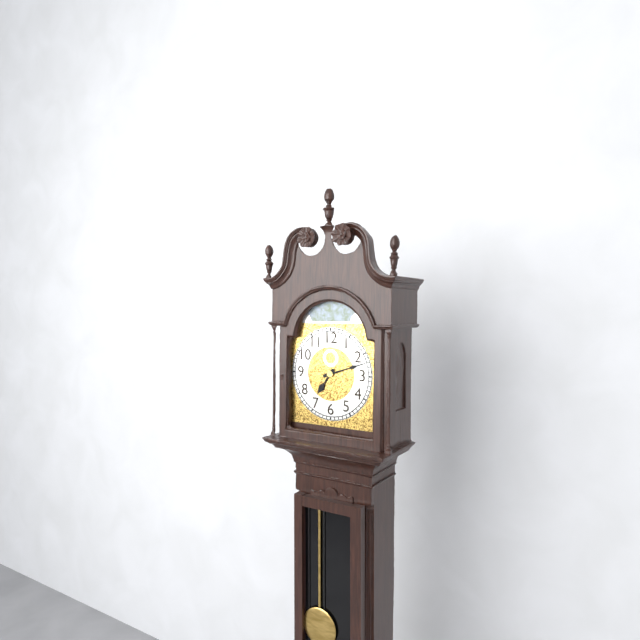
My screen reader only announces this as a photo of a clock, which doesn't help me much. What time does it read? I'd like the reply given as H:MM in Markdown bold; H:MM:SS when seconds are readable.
**7:12**
